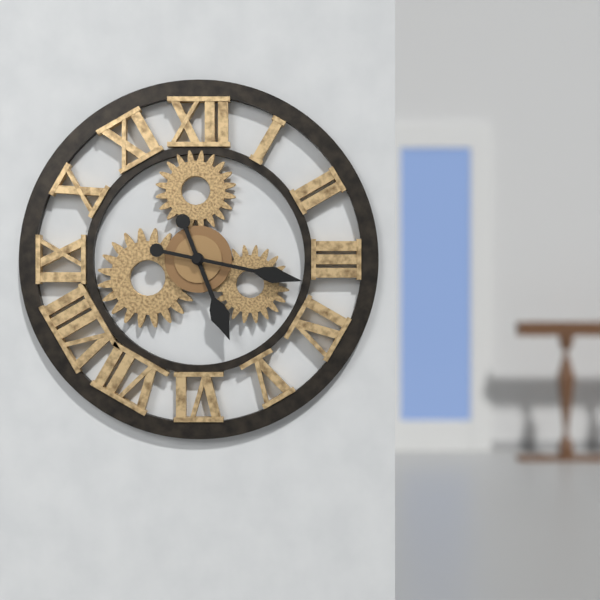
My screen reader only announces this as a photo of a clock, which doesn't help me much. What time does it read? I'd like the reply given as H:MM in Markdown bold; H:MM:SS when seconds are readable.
**5:17**
